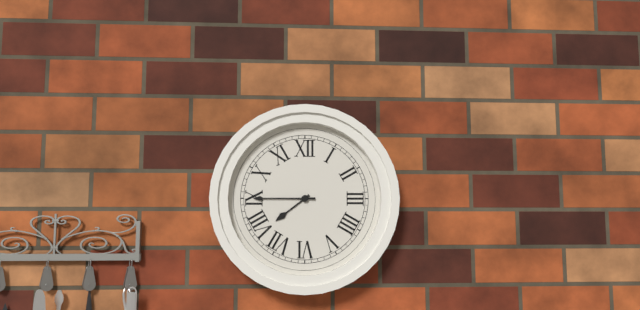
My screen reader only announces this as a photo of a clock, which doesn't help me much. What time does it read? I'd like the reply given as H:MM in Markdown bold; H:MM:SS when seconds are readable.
**7:45**
